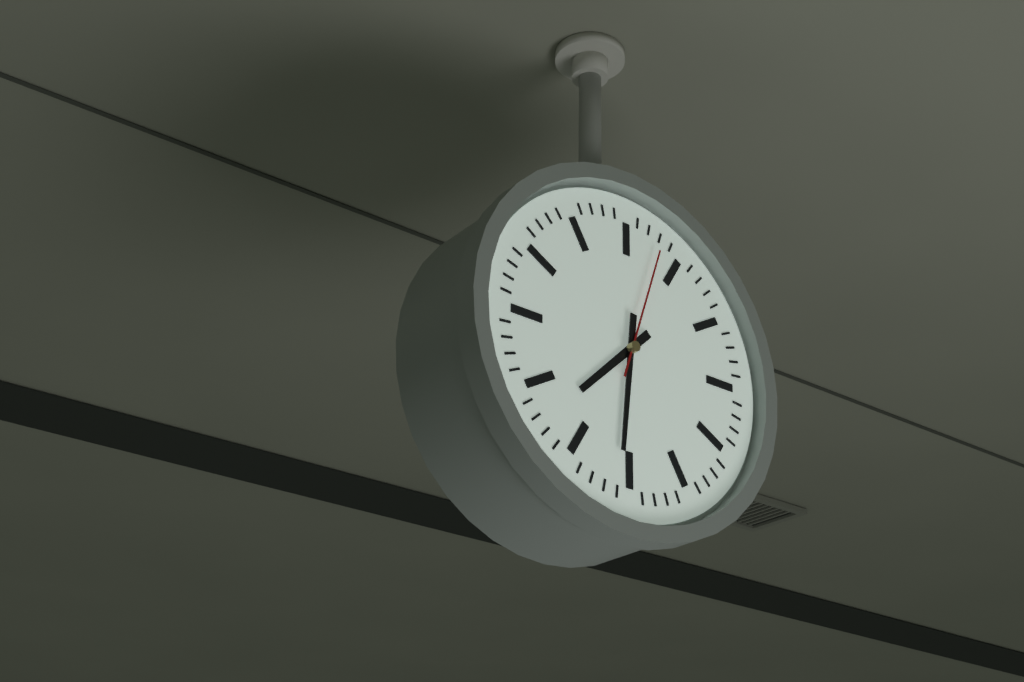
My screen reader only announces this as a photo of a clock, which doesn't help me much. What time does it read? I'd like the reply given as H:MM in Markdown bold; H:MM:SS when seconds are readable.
**7:31:03**
